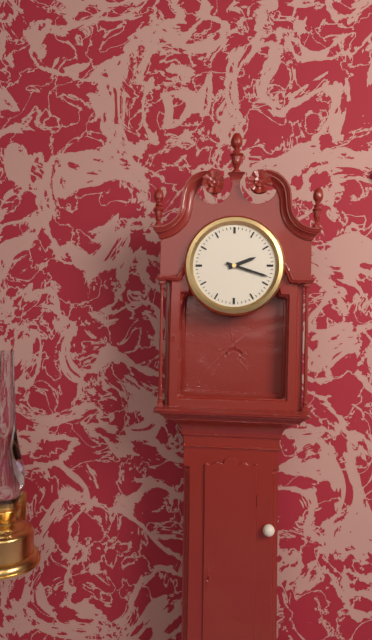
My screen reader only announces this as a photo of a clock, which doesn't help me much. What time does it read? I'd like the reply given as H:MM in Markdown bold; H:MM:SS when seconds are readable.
**2:18**
